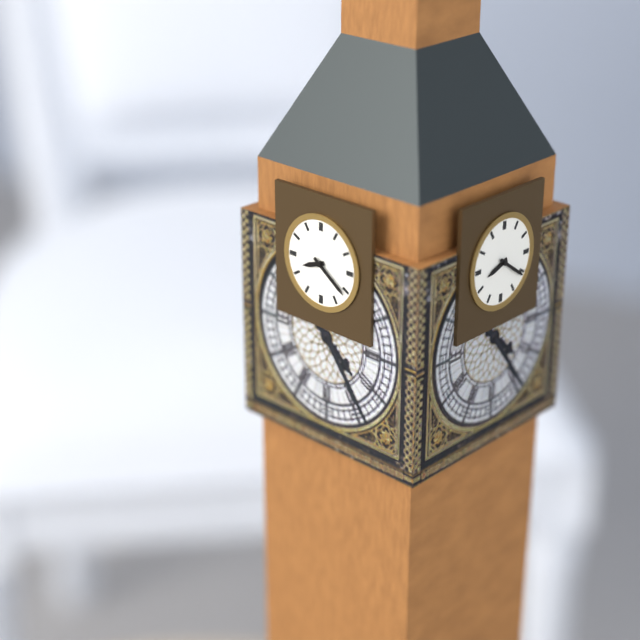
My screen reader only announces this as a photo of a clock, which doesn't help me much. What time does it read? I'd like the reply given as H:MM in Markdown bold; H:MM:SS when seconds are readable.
**8:21**
